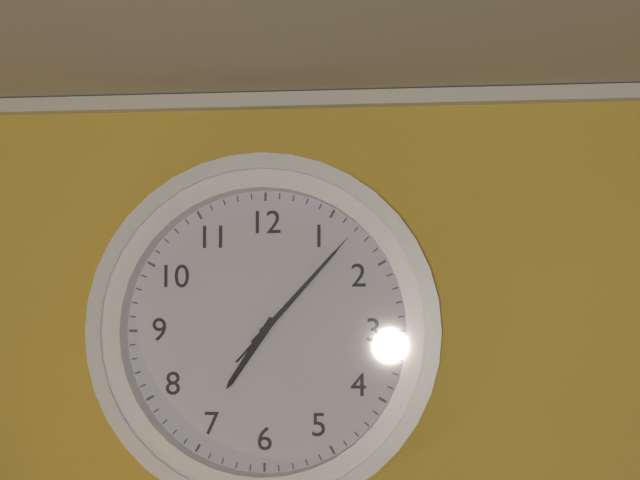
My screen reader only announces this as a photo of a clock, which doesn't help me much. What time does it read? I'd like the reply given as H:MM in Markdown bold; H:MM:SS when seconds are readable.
**7:07:07**
